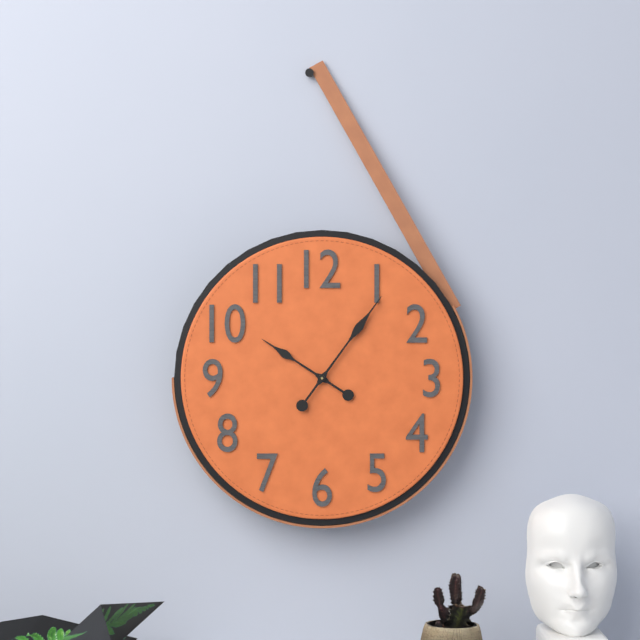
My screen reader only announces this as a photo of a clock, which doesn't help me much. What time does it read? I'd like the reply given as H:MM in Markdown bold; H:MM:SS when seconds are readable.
**10:06**
